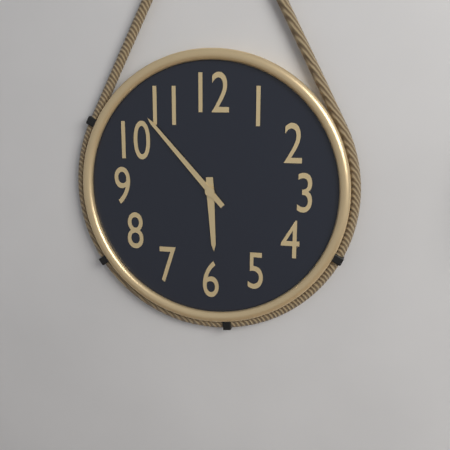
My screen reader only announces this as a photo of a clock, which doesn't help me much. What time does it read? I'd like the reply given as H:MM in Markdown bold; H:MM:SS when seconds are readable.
**5:53**
